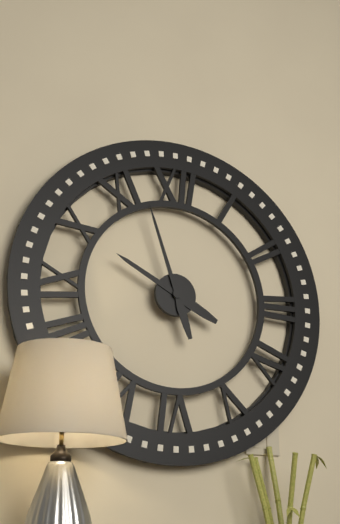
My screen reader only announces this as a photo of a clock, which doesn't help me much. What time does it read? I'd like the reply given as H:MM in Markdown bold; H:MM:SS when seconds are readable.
**9:57**
